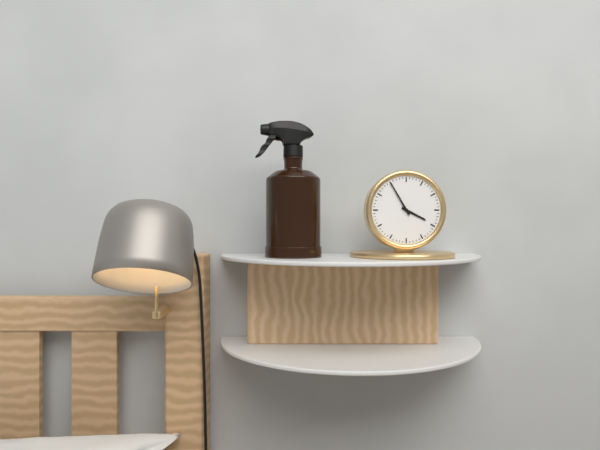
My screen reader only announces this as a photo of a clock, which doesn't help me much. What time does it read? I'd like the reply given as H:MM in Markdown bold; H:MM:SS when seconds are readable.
**3:55**
